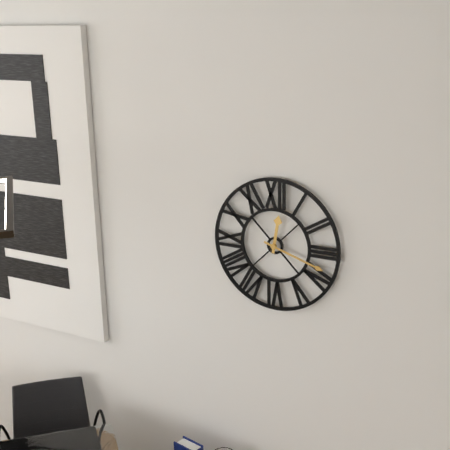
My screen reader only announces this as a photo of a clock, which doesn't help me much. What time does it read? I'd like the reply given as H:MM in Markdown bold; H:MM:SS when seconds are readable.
**12:18**
